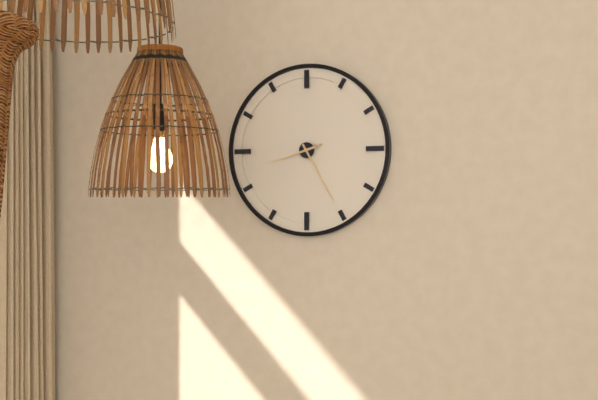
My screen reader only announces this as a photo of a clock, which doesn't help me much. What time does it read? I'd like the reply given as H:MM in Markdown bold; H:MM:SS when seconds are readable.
**8:25**
